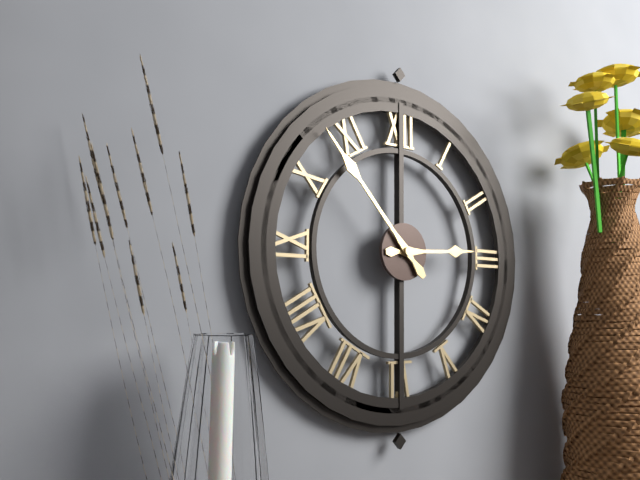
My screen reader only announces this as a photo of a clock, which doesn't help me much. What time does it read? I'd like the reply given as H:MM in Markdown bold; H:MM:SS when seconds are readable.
**2:53**
